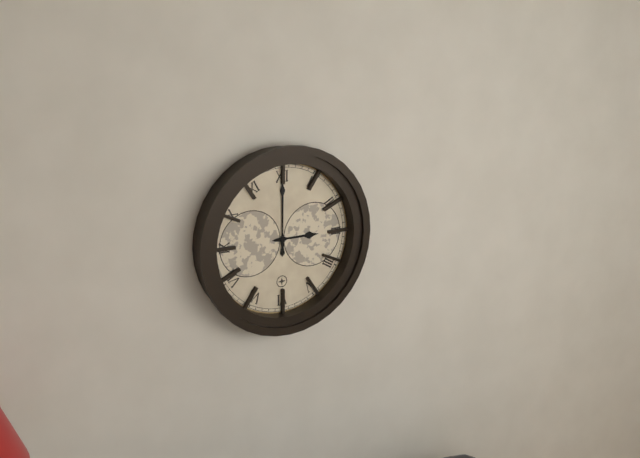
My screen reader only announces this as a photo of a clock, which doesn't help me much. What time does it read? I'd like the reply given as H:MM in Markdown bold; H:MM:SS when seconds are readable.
**3:00**
